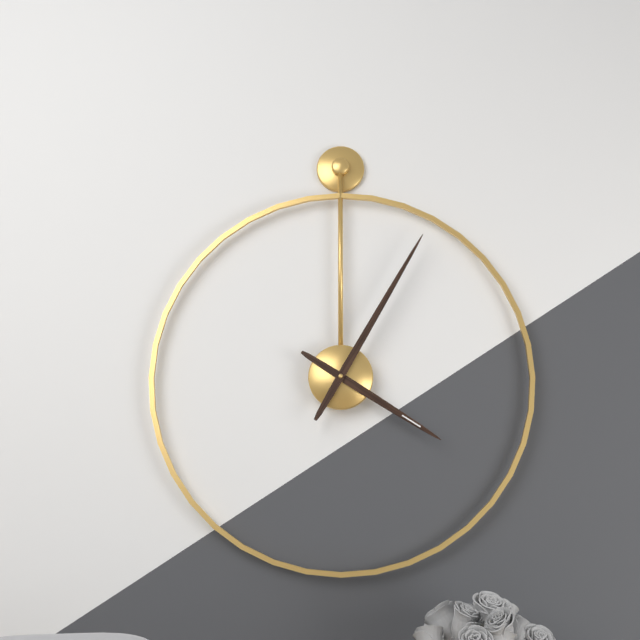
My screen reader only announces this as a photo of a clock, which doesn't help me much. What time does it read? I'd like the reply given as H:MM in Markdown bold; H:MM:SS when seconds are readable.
**4:05**
